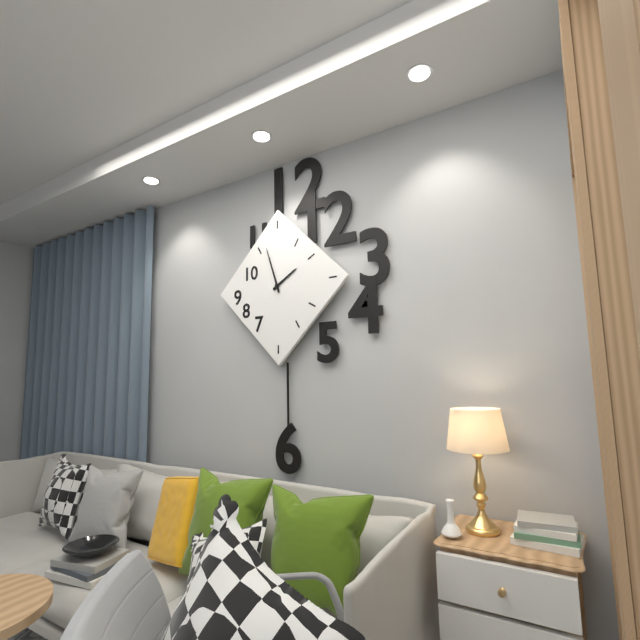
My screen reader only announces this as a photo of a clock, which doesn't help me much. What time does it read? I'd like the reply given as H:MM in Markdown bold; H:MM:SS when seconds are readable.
**1:57**
